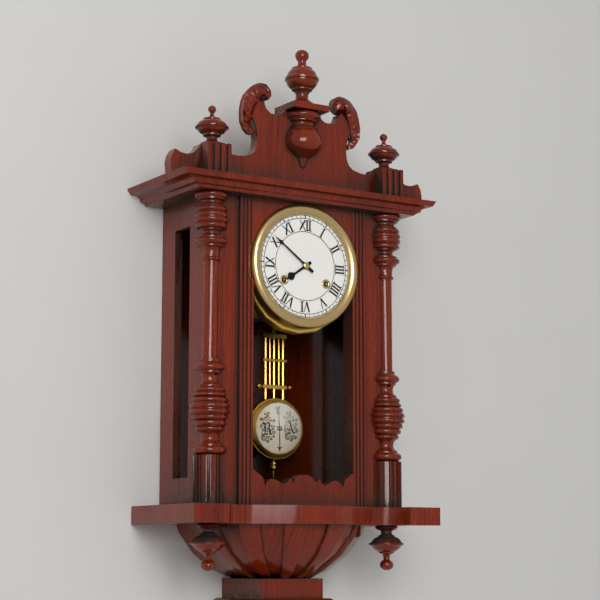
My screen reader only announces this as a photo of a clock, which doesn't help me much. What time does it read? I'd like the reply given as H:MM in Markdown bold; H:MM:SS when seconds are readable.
**7:51**
